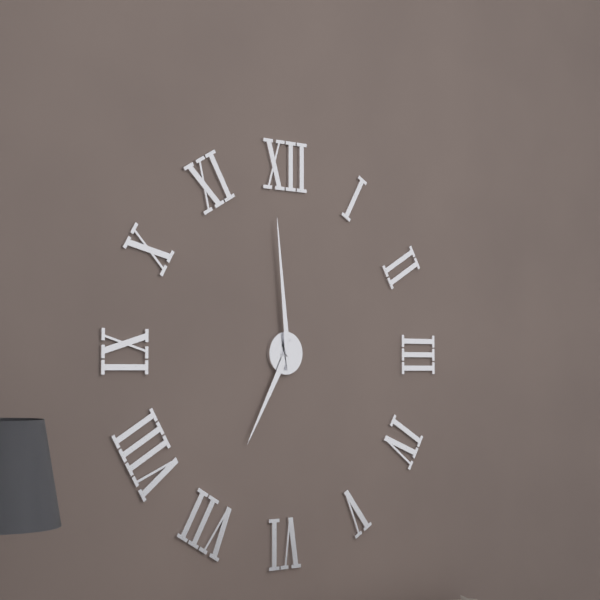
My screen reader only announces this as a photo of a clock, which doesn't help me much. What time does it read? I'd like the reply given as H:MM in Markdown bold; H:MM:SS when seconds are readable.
**6:59**
